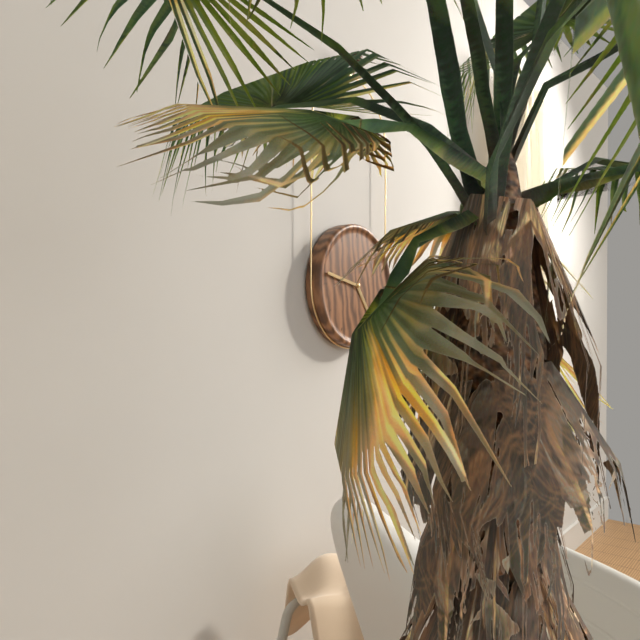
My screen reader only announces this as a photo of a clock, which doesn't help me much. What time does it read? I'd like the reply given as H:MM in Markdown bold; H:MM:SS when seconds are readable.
**4:47**
